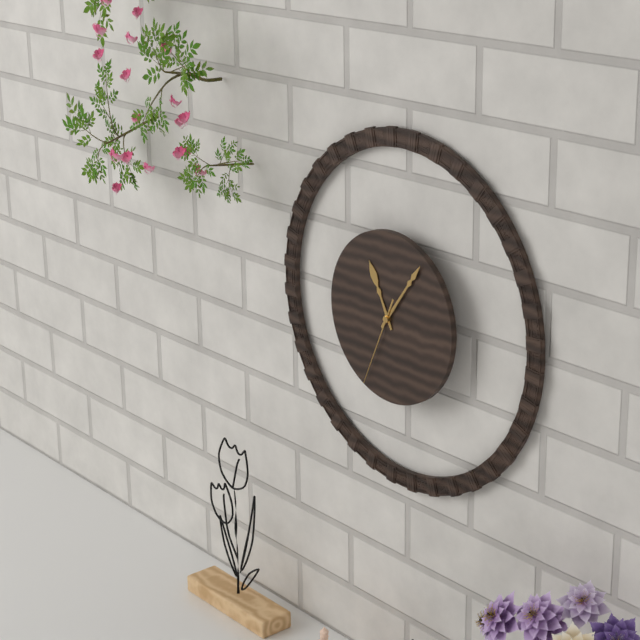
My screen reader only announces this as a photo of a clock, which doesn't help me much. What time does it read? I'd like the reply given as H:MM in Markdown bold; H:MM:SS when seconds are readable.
**11:06:34**
